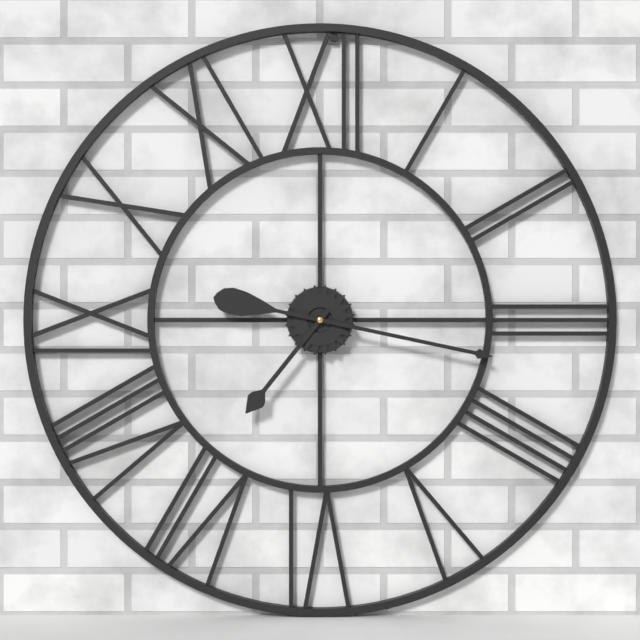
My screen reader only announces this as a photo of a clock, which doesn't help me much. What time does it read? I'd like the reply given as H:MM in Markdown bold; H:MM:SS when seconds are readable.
**7:17**
